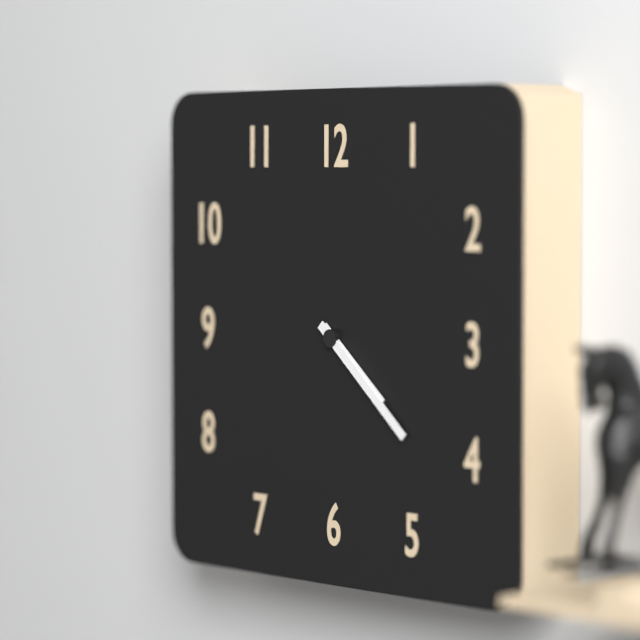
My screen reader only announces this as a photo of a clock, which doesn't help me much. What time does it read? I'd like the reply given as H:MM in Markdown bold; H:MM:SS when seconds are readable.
**4:22**
